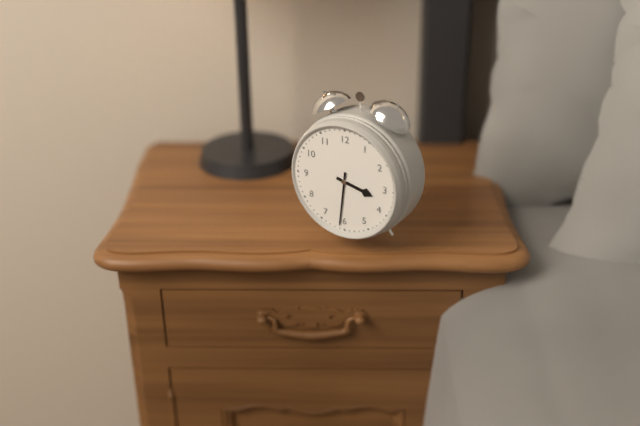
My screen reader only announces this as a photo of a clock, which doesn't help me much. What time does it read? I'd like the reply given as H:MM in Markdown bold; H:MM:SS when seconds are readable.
**3:31**
